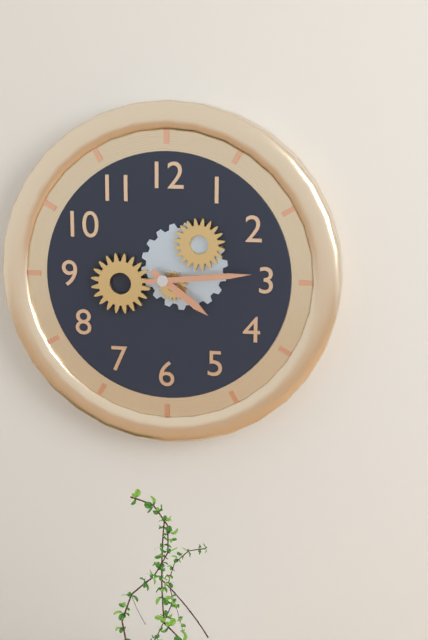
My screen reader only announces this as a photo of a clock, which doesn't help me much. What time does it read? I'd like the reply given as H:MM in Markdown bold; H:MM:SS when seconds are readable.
**4:14**
